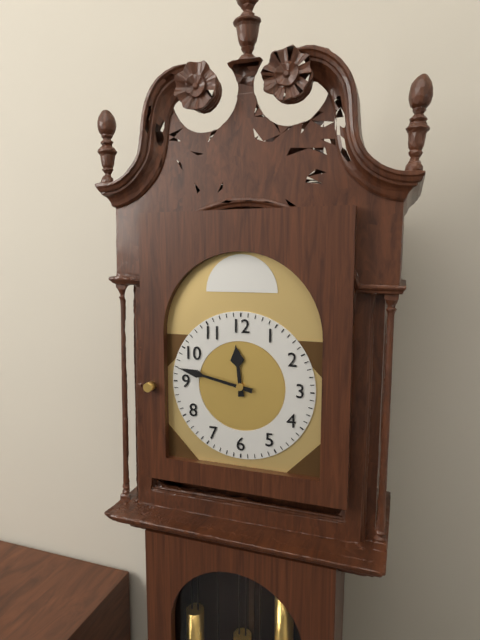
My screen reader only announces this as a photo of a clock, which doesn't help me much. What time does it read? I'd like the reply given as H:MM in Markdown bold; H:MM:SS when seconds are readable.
**11:47**
